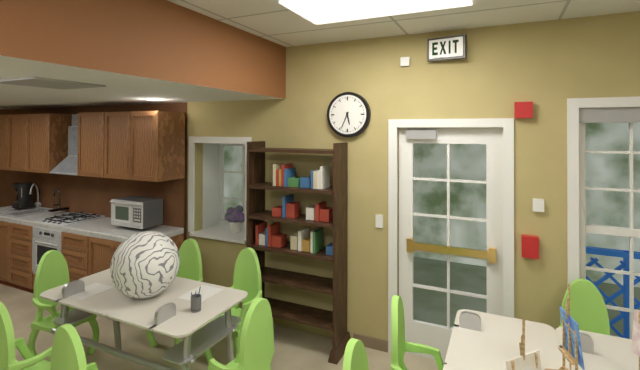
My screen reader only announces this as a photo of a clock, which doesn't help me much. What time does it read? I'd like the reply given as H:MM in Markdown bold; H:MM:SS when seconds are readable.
**5:34**
